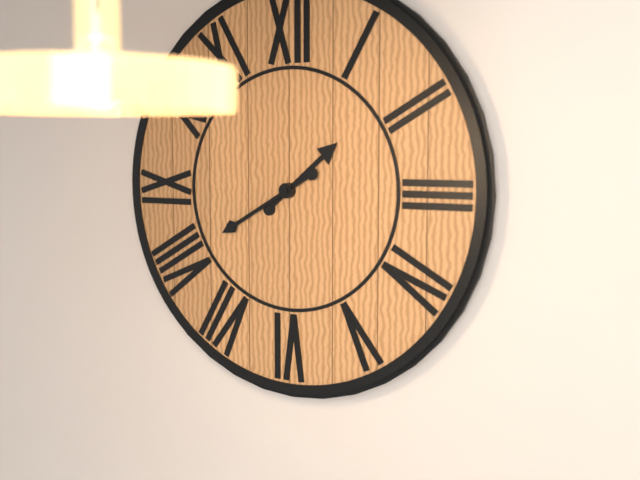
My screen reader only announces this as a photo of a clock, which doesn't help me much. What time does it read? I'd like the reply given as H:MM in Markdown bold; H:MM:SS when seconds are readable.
**1:40**
